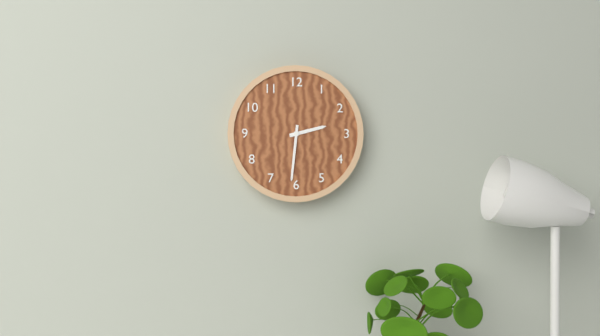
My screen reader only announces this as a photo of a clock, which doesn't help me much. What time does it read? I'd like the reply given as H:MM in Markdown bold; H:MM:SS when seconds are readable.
**2:31**
